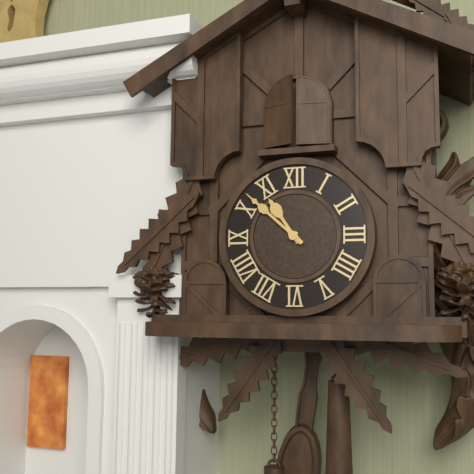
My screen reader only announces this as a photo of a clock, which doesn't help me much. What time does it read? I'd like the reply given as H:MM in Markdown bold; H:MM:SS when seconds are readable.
**10:52**
